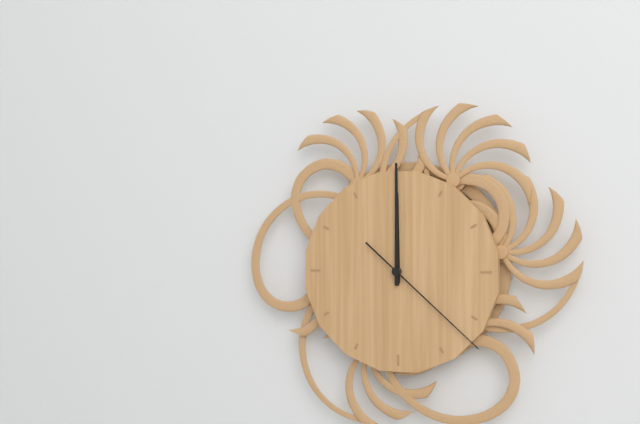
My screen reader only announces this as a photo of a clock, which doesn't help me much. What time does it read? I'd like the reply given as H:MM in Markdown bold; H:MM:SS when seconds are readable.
**12:00:22**
